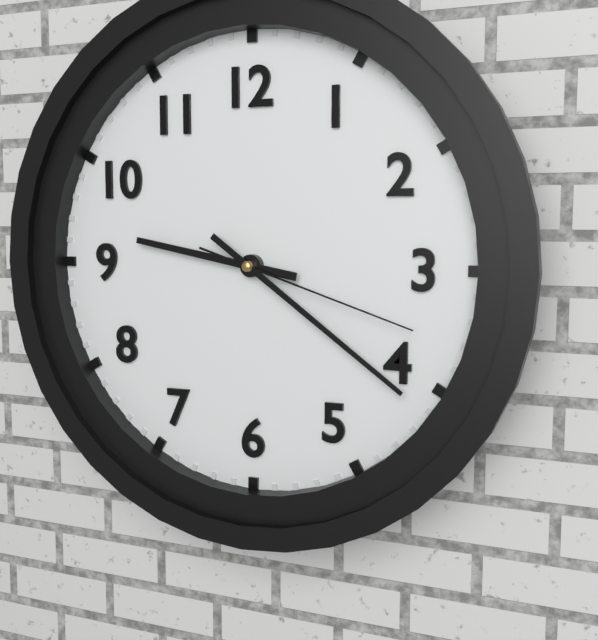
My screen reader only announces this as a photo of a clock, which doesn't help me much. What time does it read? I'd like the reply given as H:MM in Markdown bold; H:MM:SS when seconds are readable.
**9:21:18**
